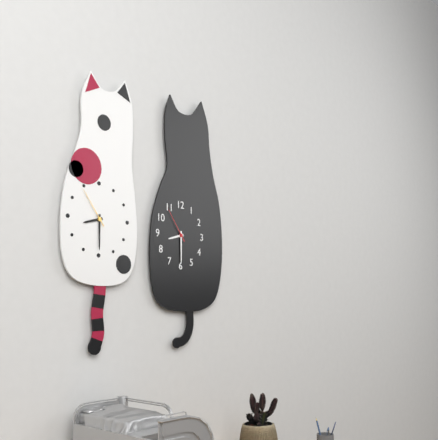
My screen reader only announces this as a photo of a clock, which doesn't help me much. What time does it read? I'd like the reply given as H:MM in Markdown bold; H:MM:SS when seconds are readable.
**8:30**
